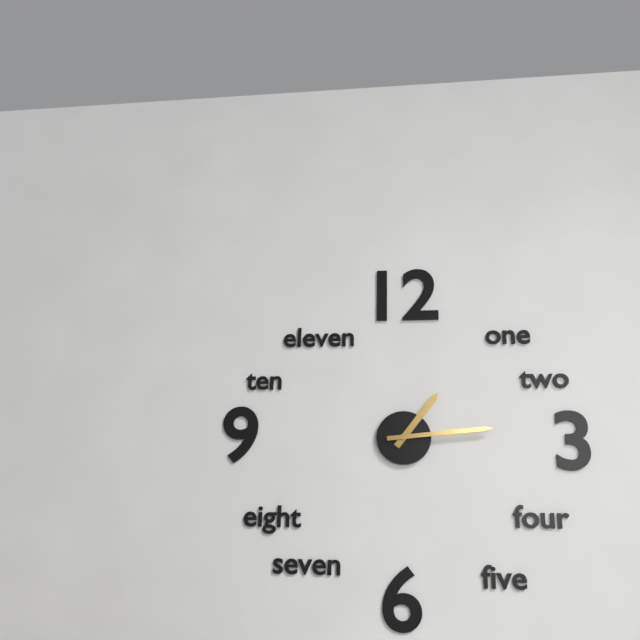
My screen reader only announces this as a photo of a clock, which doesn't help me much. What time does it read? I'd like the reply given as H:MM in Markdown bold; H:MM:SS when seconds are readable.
**1:14**
